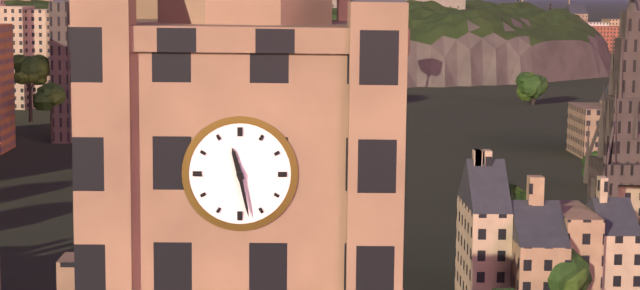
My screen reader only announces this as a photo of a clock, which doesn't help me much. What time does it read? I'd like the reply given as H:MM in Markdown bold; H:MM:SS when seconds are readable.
**11:28**
